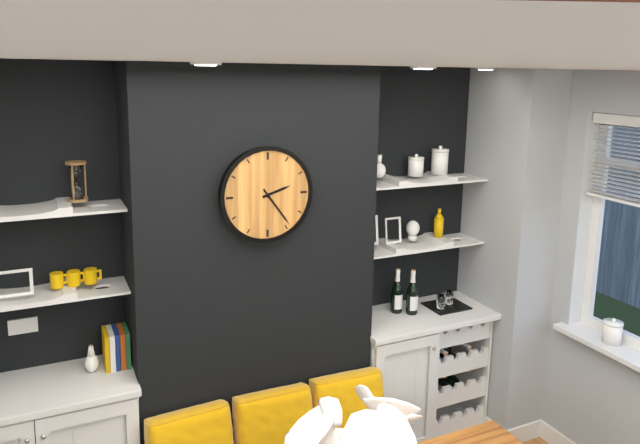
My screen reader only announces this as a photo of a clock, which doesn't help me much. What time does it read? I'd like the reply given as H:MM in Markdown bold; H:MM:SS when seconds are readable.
**2:24**
